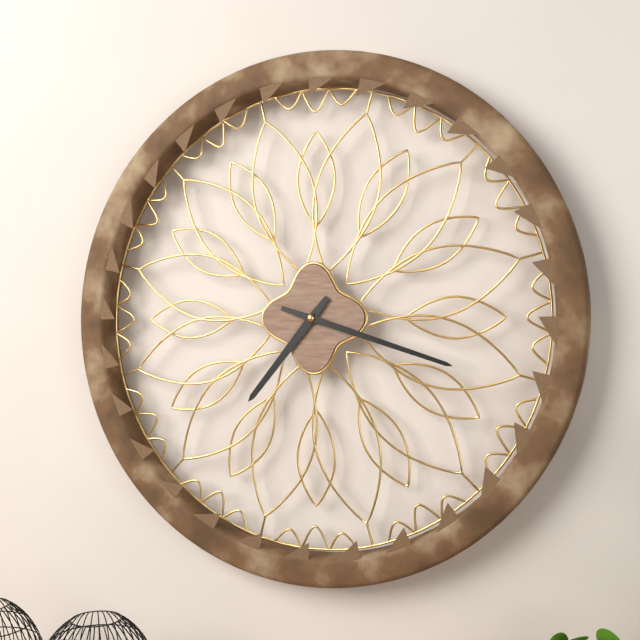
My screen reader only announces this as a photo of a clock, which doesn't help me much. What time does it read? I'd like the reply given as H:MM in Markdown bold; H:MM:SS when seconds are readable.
**7:18**
